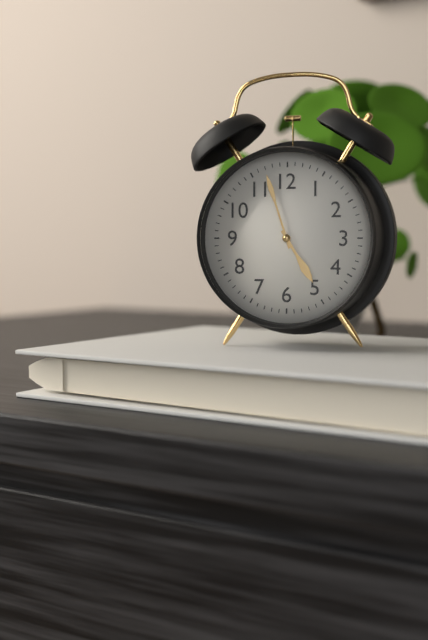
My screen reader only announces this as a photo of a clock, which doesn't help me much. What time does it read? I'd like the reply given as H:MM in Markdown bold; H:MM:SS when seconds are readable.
**4:57**
